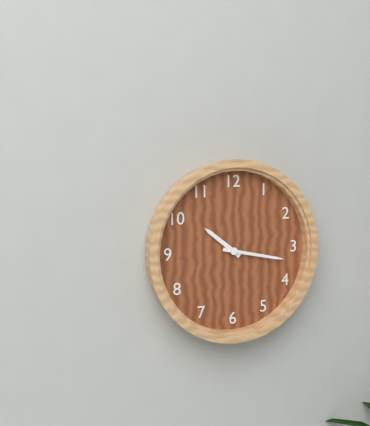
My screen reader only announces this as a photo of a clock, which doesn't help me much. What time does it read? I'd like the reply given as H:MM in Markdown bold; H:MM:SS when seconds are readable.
**10:17**
